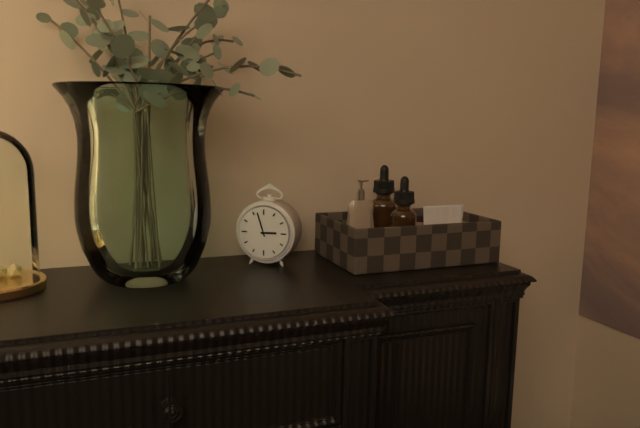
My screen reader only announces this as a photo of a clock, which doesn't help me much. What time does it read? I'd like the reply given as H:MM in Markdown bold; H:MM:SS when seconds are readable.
**2:57**
